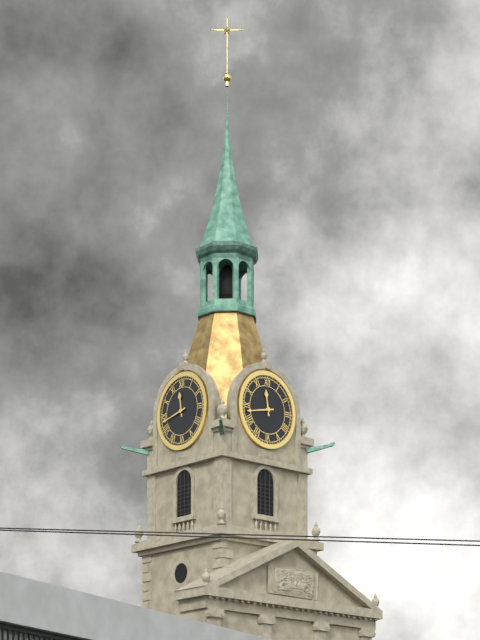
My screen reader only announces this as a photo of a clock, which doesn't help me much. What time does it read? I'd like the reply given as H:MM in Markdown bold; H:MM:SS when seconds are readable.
**11:43**
